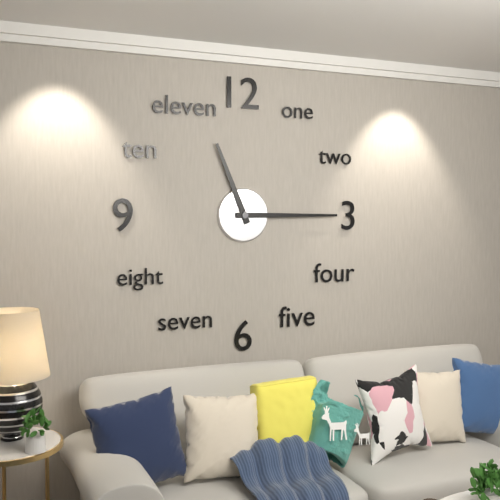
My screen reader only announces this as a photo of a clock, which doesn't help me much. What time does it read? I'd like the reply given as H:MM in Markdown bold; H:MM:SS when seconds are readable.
**11:15**
